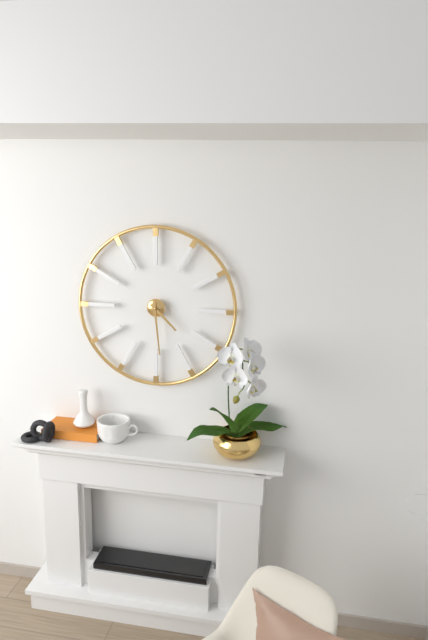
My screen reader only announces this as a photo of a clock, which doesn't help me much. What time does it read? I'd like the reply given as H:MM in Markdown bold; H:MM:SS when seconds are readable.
**4:29**
